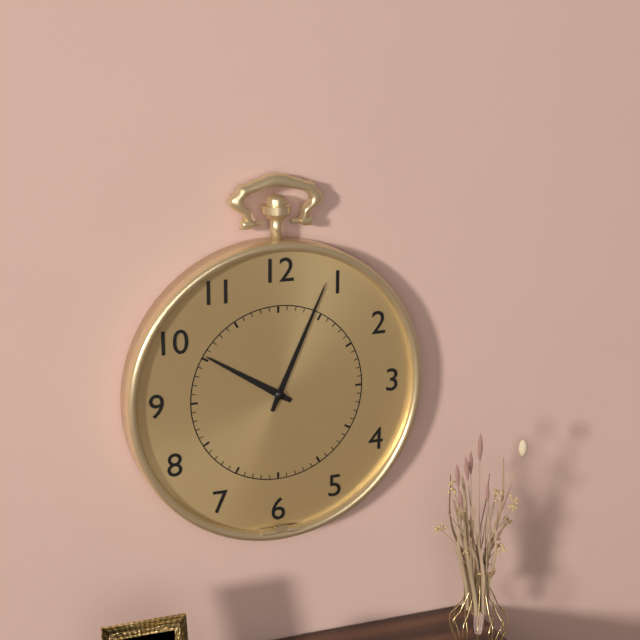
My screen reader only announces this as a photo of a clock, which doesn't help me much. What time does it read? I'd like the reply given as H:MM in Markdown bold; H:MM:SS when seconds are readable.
**10:04**
